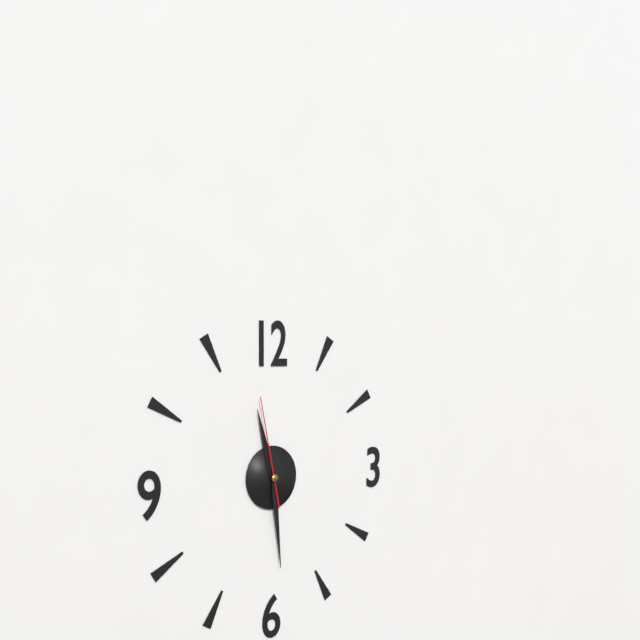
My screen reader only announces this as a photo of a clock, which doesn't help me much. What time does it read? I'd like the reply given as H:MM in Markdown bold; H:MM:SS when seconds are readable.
**11:29:58**
